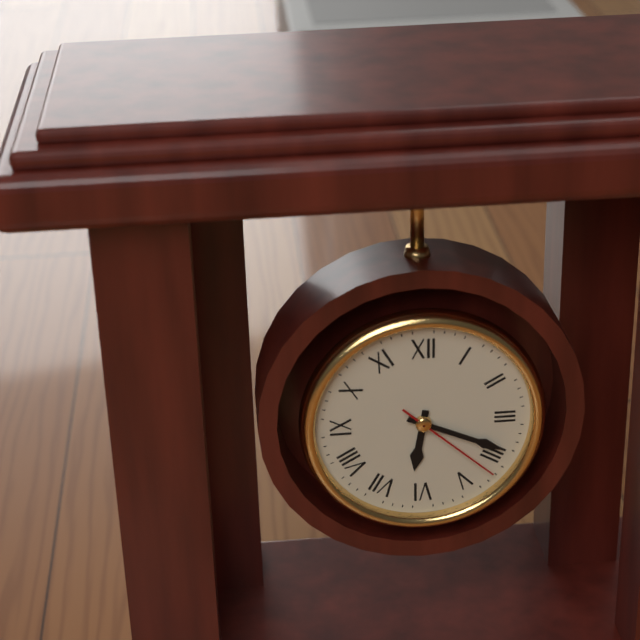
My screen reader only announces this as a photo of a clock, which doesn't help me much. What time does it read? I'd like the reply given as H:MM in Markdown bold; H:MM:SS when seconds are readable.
**6:19:22**
